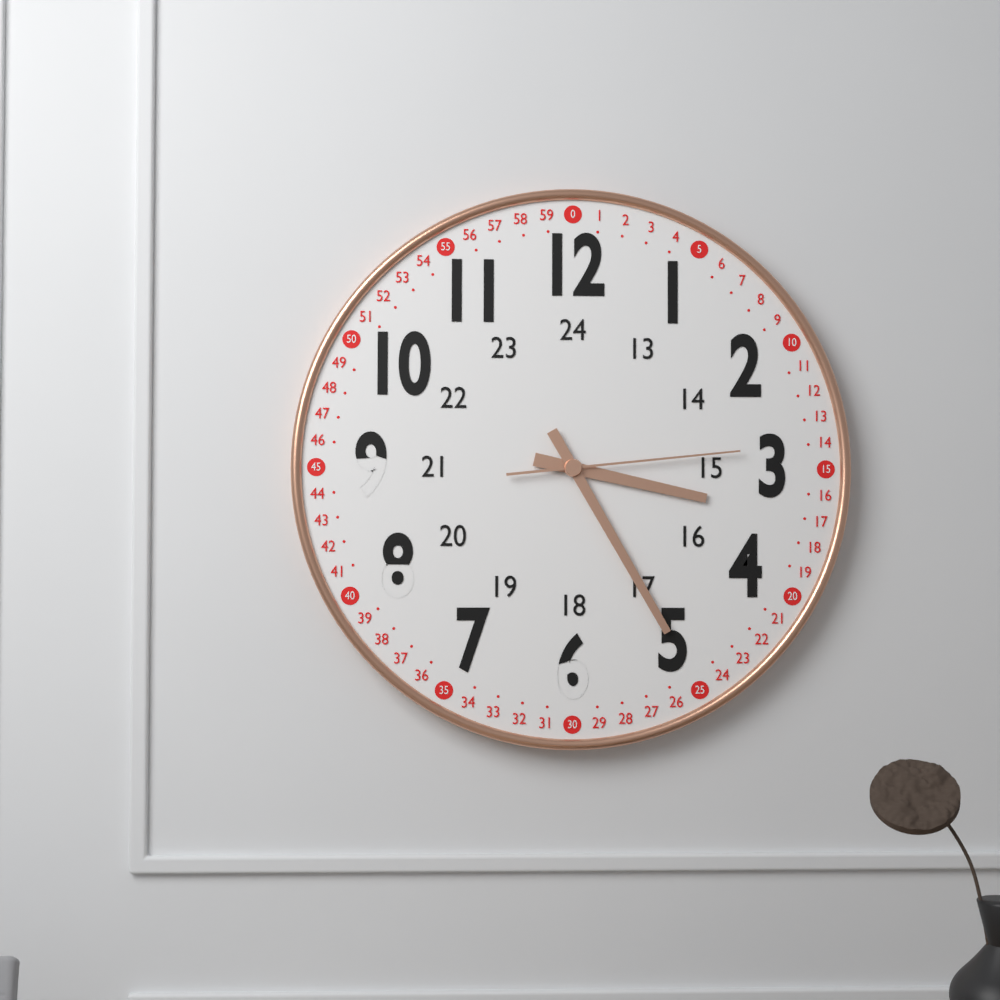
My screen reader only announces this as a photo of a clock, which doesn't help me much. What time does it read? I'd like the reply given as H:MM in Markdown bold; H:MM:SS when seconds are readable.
**3:25:14**
